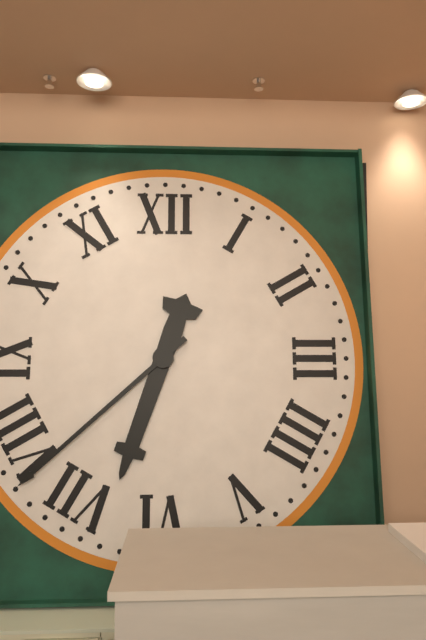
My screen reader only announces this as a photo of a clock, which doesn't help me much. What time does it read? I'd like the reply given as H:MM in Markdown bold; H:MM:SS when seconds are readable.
**6:38**
